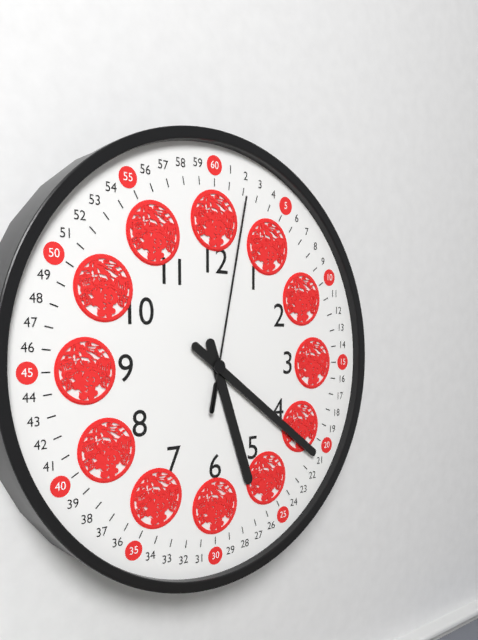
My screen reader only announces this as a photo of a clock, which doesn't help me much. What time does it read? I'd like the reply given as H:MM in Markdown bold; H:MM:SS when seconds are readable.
**5:21:02**
